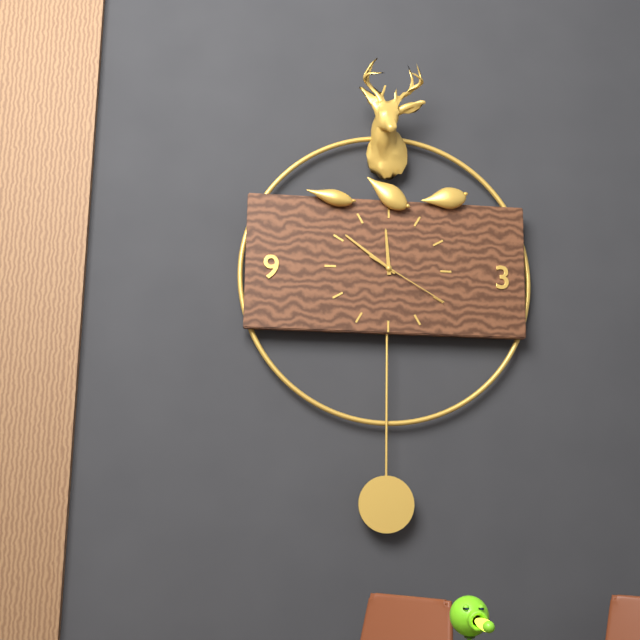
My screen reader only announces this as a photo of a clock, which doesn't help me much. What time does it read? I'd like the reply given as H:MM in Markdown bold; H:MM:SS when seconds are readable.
**11:51:20**
